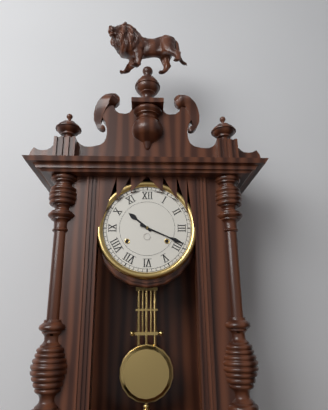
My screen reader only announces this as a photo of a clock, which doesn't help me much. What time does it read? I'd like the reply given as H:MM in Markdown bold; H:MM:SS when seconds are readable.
**10:19**
